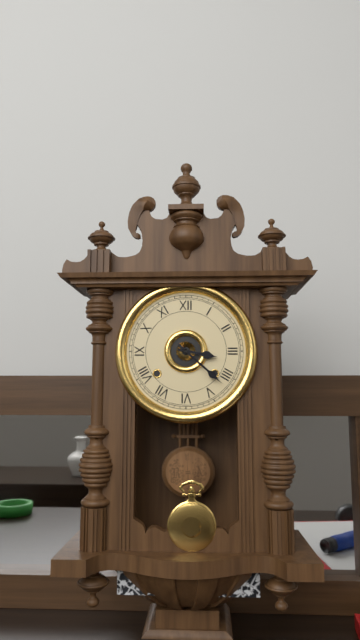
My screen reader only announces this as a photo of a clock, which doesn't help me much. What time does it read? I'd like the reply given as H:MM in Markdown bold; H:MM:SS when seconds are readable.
**3:22**
